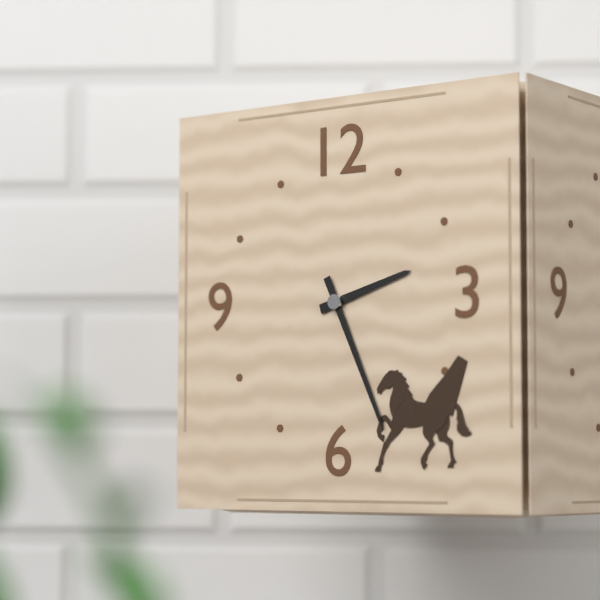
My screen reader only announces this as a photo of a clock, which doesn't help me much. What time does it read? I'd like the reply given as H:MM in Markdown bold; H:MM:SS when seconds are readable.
**2:26**
